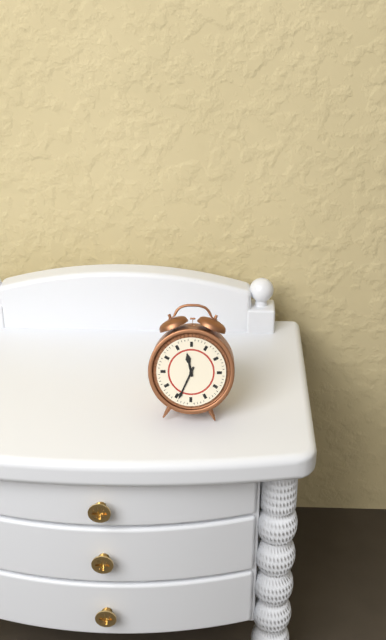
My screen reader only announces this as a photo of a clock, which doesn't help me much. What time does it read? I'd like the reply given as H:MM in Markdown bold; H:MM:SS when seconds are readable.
**11:34**
